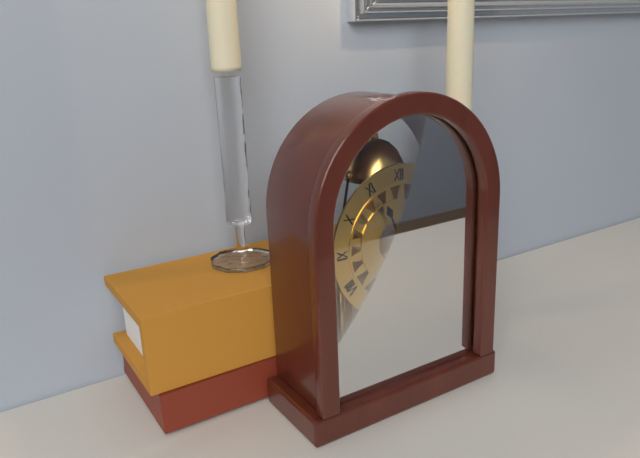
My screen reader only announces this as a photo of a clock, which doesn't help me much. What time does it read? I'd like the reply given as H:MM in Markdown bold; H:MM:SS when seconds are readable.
**11:17**
